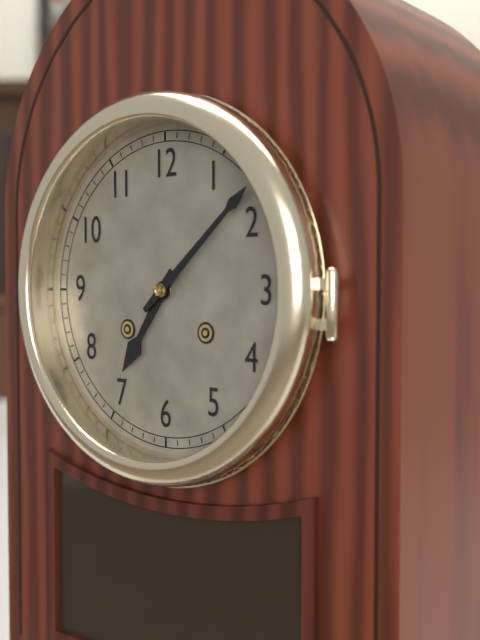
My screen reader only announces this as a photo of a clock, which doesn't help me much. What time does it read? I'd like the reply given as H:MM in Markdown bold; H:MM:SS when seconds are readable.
**7:08**
